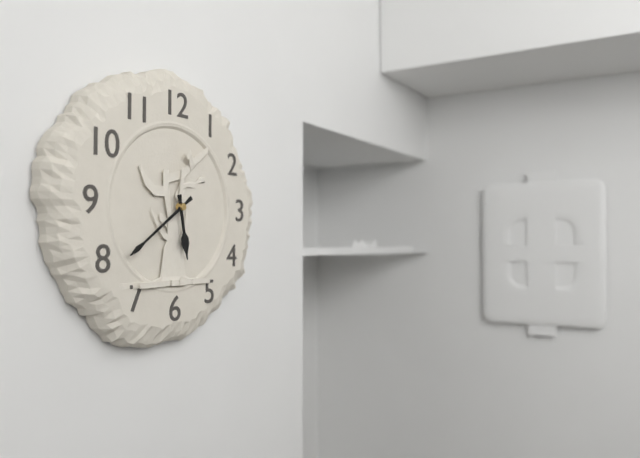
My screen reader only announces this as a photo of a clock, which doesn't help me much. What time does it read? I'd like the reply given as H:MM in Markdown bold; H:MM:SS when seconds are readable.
**5:39**
